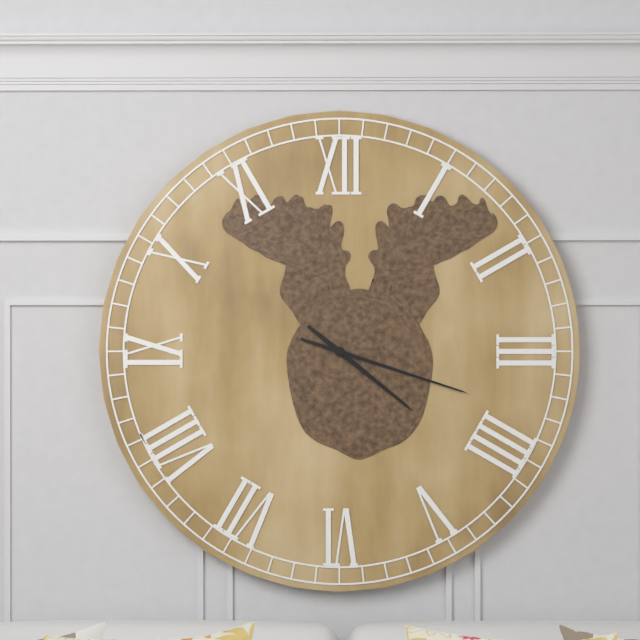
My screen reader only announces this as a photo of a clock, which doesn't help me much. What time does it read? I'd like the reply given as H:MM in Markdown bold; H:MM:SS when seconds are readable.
**4:18**
